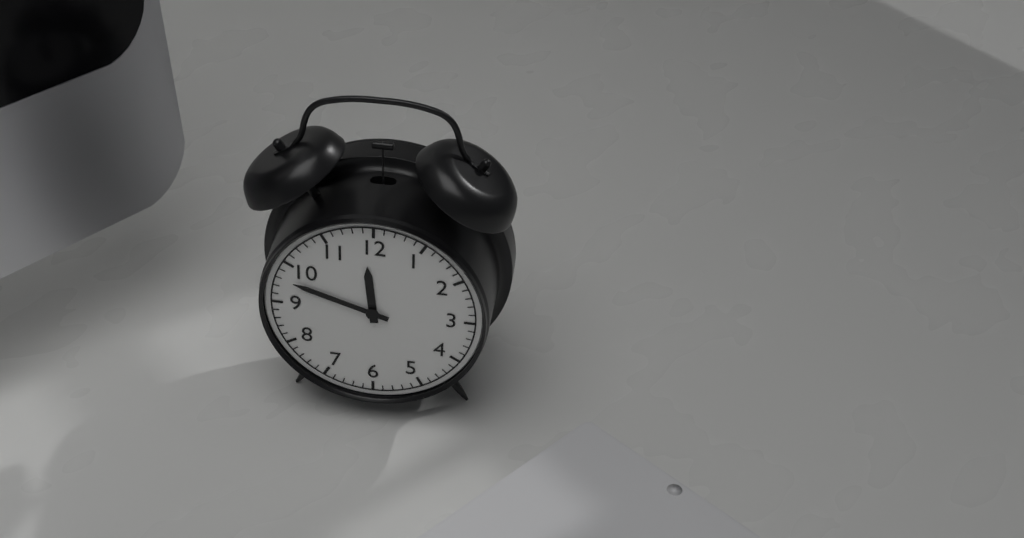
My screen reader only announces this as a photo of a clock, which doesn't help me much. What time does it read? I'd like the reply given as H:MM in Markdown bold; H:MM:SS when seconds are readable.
**11:48**
